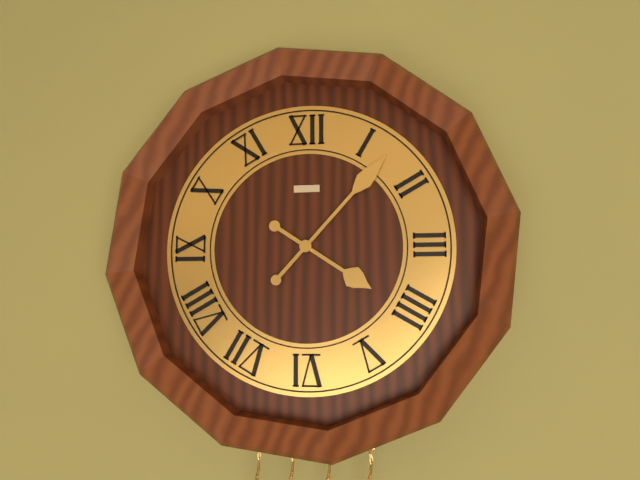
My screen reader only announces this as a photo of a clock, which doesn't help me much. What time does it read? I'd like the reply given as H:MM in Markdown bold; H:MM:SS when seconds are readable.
**4:07**
